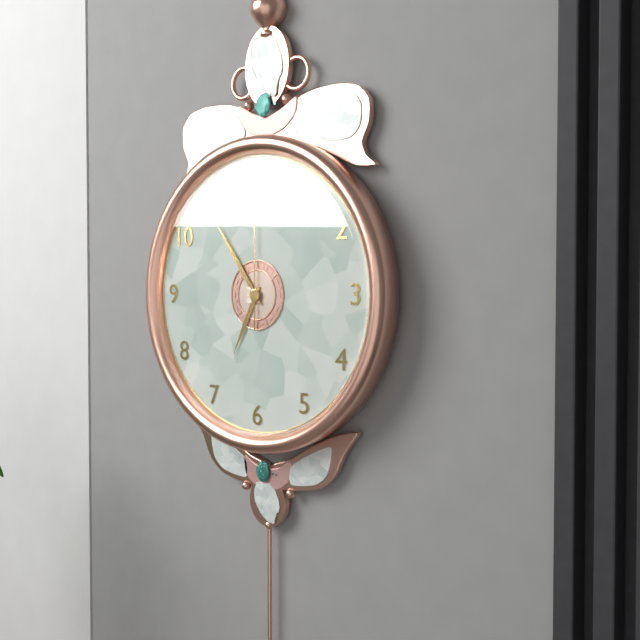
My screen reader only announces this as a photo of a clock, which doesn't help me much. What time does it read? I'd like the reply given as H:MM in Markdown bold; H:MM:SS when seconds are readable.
**6:54:00**
